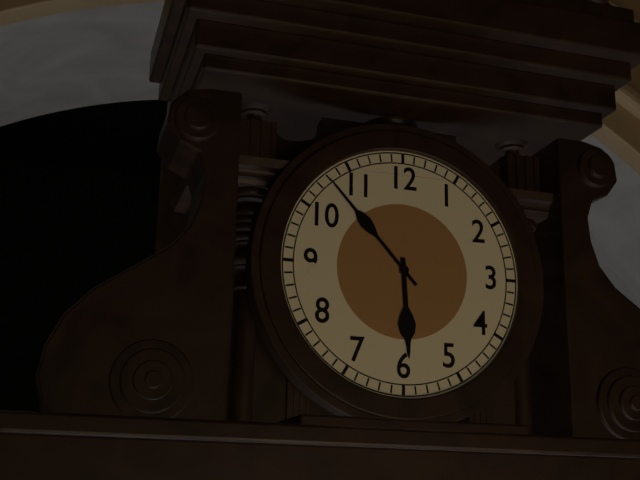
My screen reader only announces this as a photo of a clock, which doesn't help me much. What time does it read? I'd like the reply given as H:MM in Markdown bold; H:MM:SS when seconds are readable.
**5:53**
